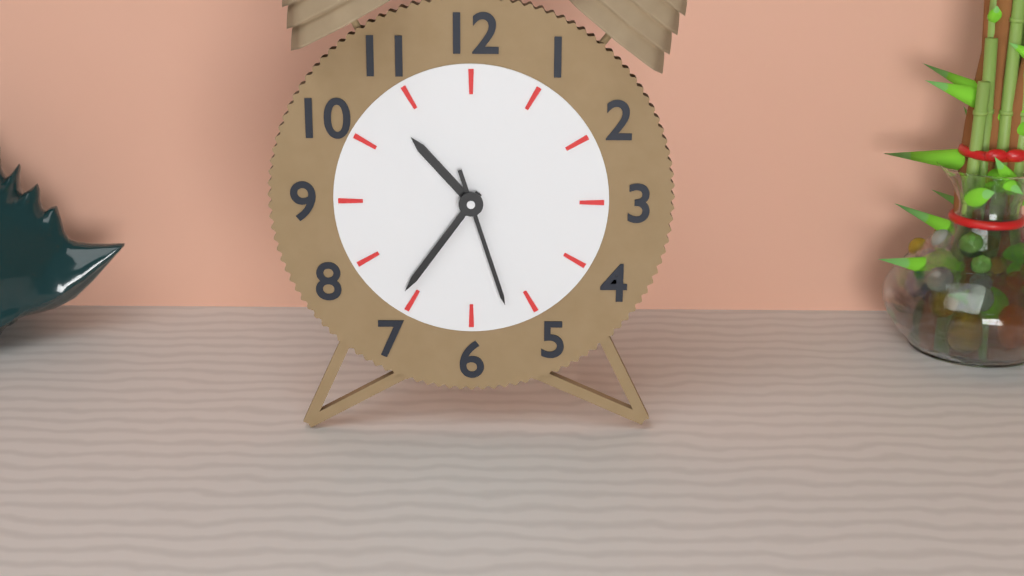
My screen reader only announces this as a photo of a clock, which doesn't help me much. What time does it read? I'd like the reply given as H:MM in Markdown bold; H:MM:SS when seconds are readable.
**10:36:27**
